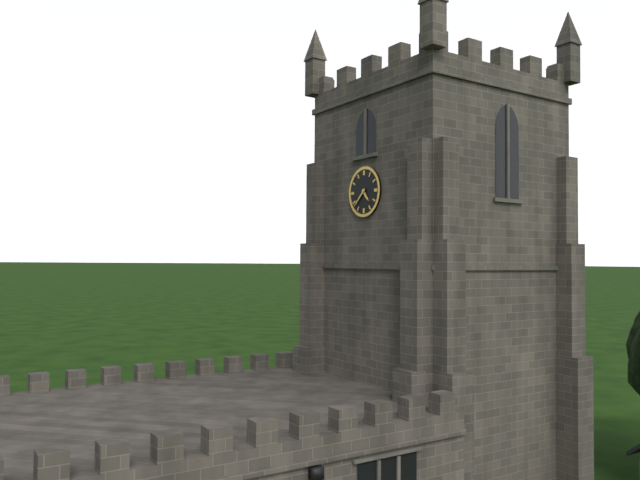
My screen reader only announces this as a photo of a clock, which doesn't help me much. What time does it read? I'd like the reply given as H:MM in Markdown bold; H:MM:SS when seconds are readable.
**4:38**
